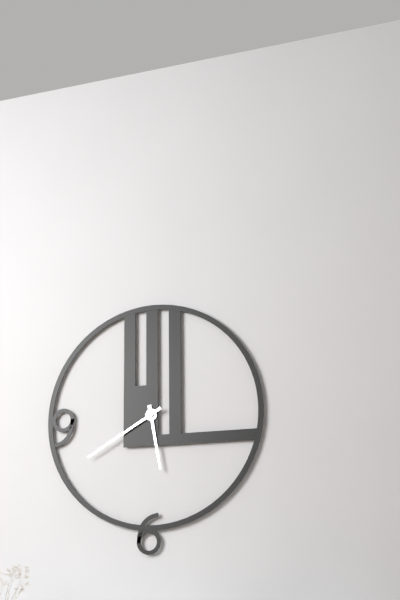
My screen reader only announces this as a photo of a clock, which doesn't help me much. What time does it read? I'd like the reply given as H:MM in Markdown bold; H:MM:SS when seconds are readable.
**5:40**
